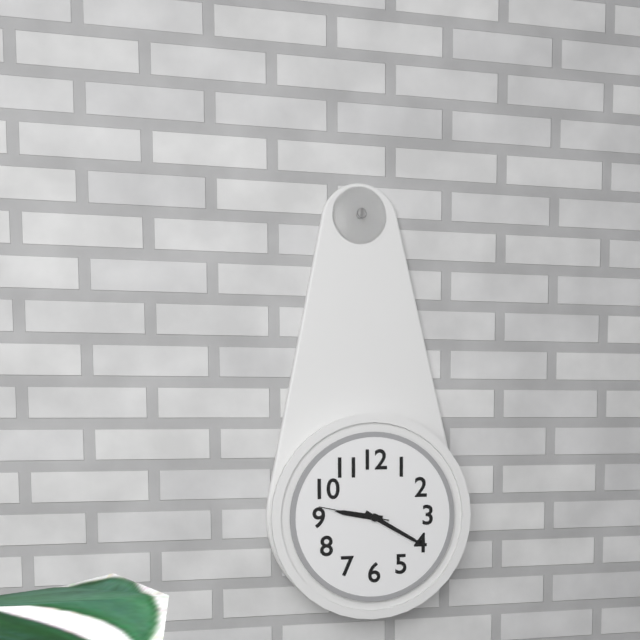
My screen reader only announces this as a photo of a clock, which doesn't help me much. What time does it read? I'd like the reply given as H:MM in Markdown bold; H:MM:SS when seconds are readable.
**9:20:47**
